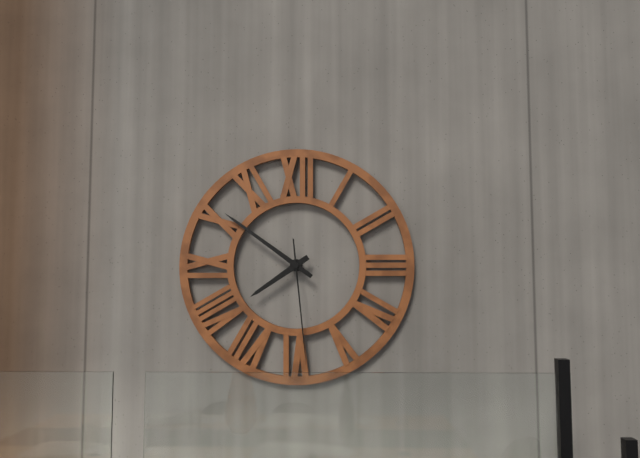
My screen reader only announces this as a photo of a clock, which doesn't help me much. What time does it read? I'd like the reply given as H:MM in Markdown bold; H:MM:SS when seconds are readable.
**7:51:29**
